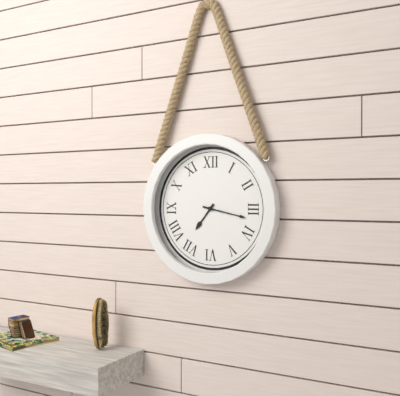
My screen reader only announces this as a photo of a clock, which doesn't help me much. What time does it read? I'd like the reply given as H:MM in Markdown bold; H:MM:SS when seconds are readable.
**7:17**
